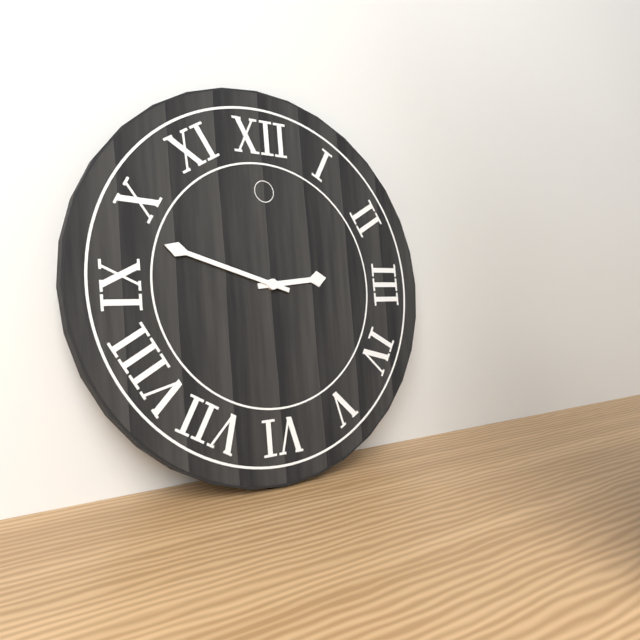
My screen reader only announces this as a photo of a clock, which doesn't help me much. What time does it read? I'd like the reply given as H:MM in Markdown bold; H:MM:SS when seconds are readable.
**2:48**
